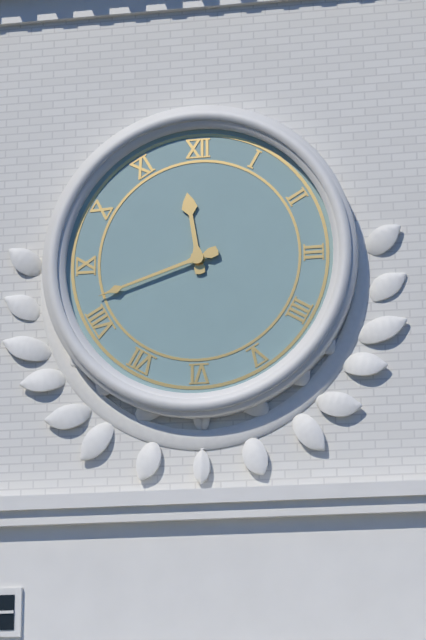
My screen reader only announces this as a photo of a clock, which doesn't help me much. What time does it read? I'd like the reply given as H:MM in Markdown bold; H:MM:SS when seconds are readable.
**11:42**
